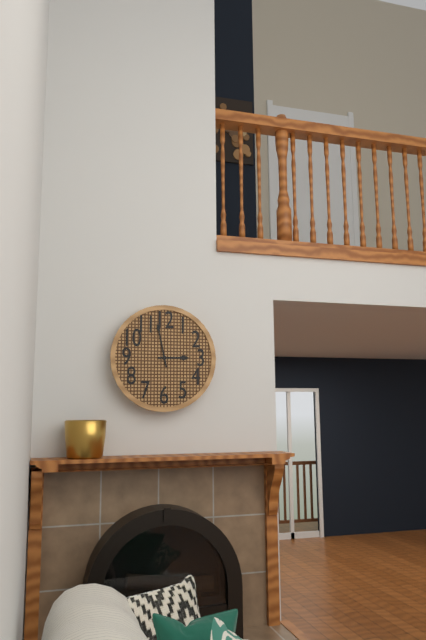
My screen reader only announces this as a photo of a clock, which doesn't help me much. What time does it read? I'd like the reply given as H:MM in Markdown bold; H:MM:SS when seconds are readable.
**2:58**
